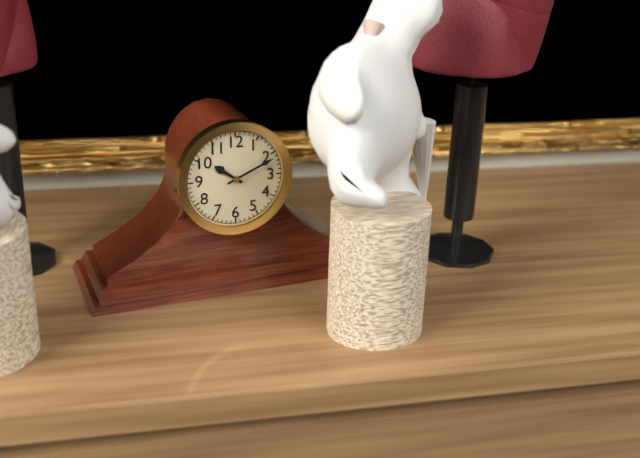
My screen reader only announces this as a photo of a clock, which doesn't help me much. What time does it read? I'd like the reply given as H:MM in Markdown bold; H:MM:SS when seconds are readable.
**10:11**
